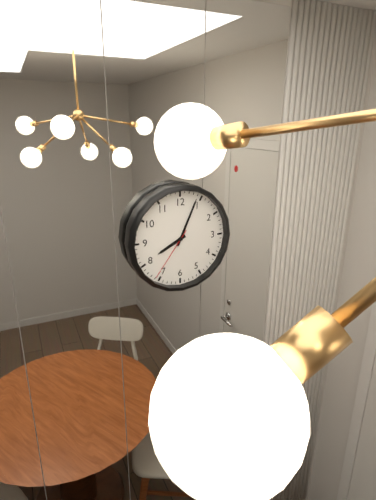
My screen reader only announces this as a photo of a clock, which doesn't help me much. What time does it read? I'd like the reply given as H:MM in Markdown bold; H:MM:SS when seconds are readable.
**8:04:36**
